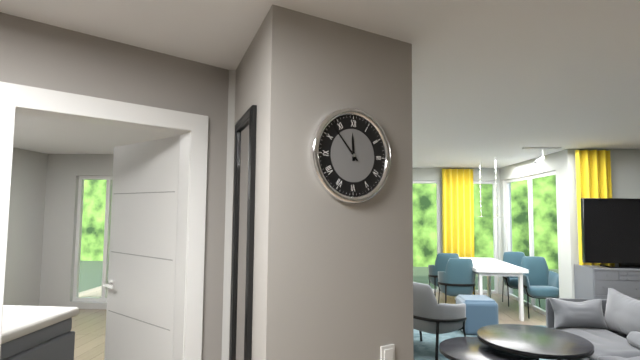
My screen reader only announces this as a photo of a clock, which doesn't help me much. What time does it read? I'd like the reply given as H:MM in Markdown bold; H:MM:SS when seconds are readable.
**11:53**
